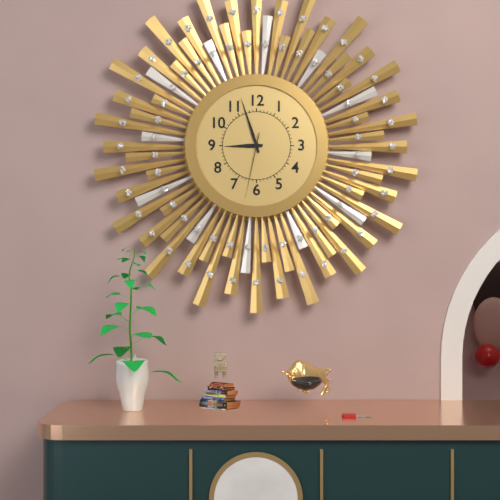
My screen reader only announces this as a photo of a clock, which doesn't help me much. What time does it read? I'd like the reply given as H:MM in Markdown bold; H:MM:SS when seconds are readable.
**8:57:32**
